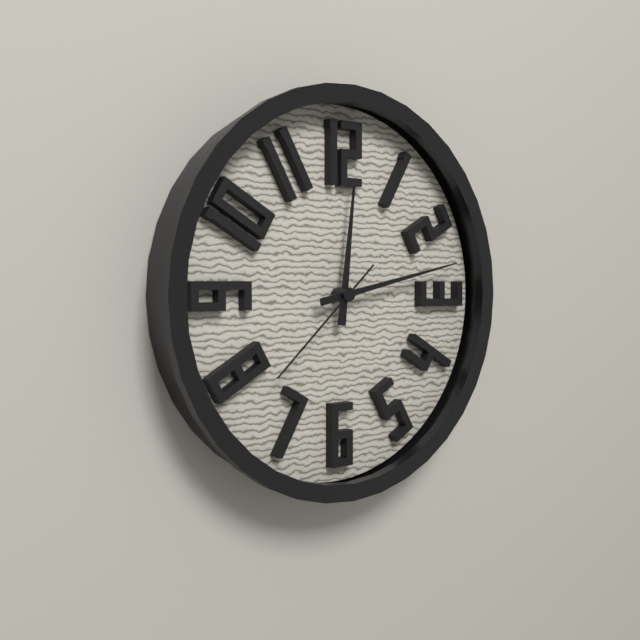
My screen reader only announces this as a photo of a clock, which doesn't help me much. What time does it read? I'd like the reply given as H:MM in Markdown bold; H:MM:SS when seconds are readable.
**12:13:38**
